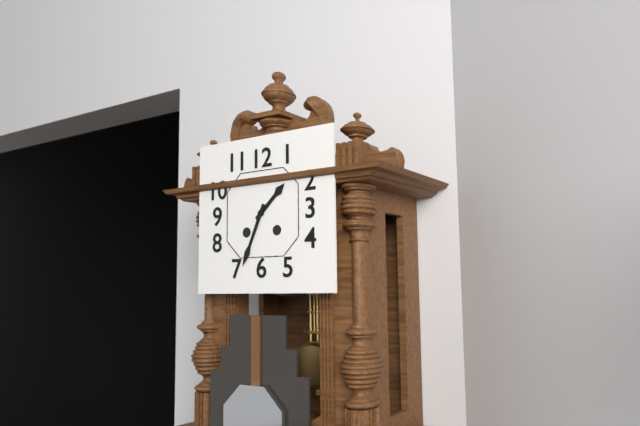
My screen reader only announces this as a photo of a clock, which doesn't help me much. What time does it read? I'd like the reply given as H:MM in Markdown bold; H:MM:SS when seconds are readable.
**1:34**
